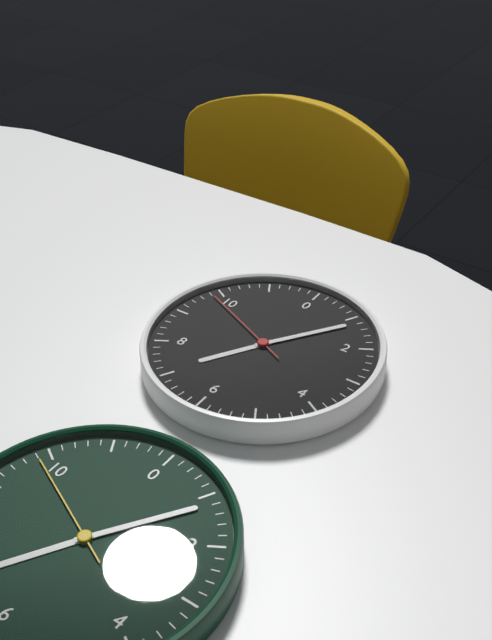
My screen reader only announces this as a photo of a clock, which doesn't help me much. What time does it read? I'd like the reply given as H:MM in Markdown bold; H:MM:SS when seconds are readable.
**7:06:49**
